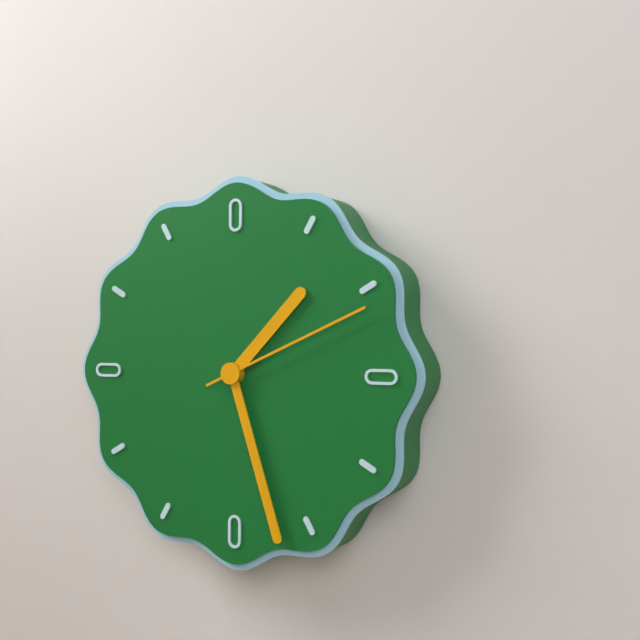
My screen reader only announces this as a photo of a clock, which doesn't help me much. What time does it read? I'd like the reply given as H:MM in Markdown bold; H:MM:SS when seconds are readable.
**1:27:11**
